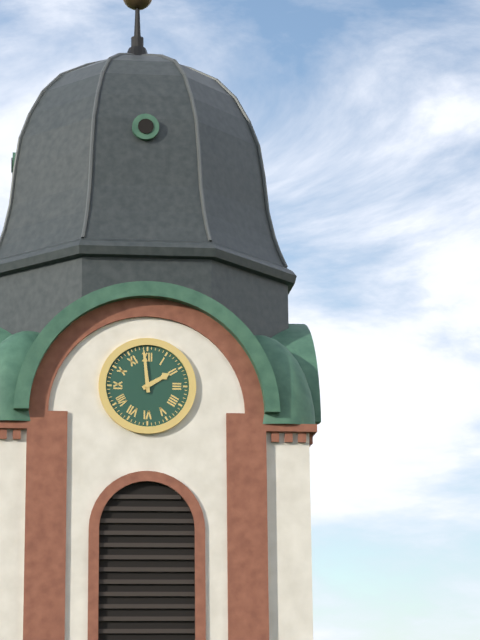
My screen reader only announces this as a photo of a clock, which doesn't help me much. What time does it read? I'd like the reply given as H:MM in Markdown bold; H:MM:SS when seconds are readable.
**1:59**
